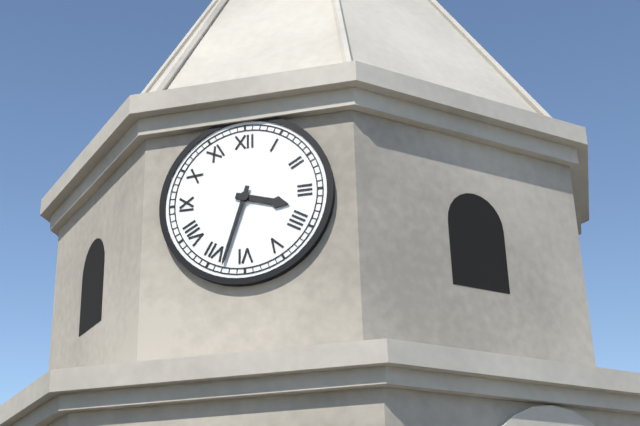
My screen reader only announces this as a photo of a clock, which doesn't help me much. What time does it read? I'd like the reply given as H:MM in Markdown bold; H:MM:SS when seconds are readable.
**3:33**
